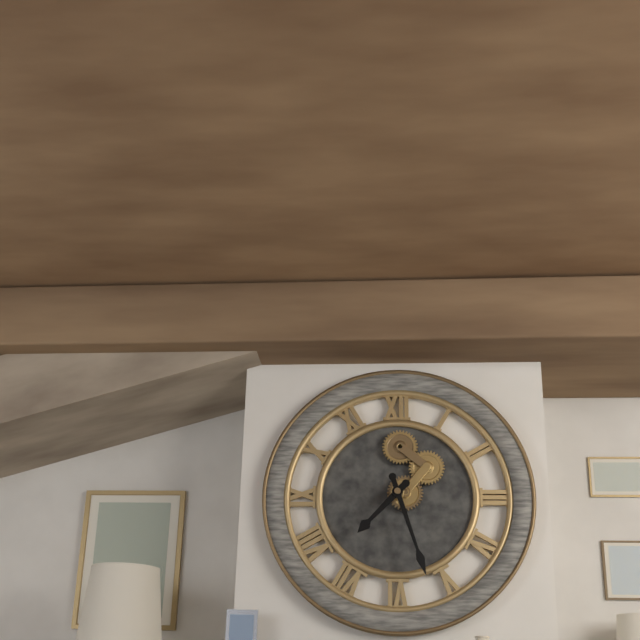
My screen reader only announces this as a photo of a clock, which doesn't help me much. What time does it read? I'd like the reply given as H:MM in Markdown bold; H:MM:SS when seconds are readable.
**7:27**
